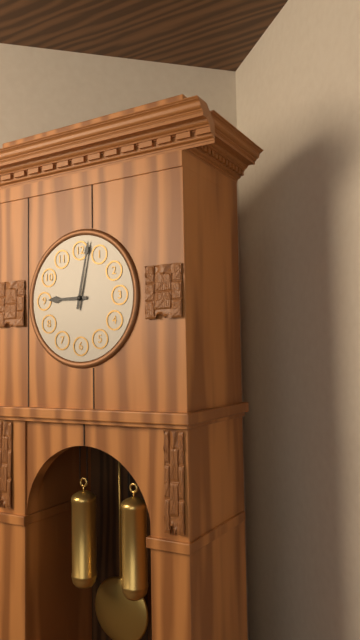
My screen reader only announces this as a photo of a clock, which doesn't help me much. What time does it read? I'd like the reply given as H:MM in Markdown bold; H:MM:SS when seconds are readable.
**9:02**
